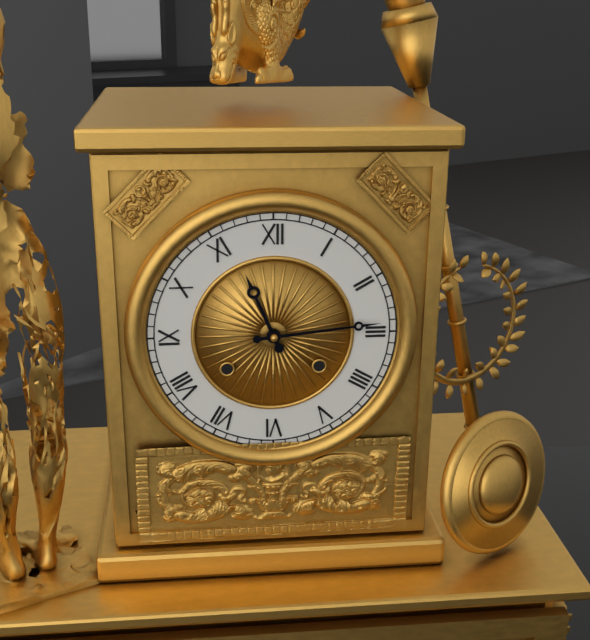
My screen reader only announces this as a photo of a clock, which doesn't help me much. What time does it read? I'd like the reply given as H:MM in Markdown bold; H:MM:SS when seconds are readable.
**11:14**
